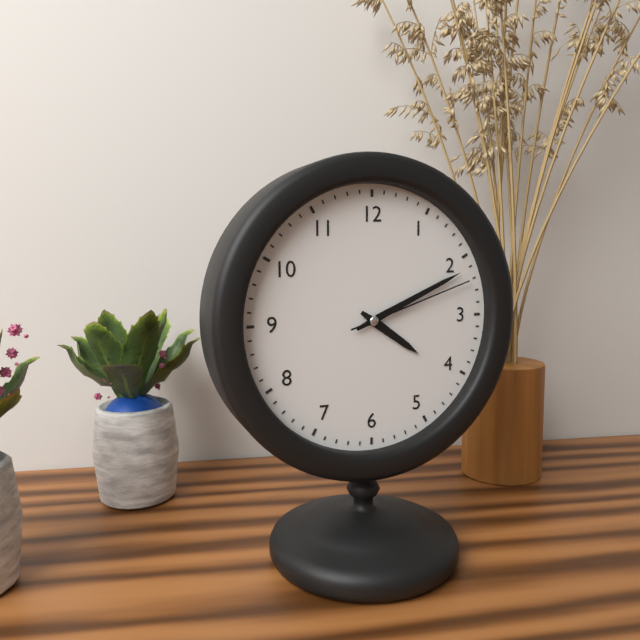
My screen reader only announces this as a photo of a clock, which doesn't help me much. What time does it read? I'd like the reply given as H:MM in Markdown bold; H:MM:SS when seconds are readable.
**4:11:12**
